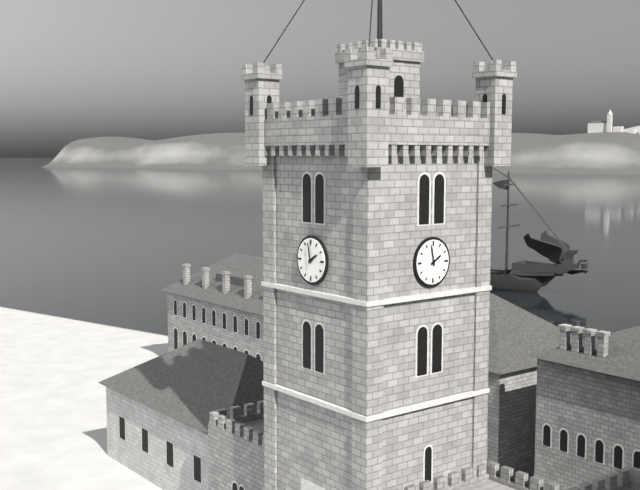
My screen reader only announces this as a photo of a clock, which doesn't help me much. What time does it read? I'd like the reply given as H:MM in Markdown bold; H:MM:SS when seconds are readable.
**1:58**
